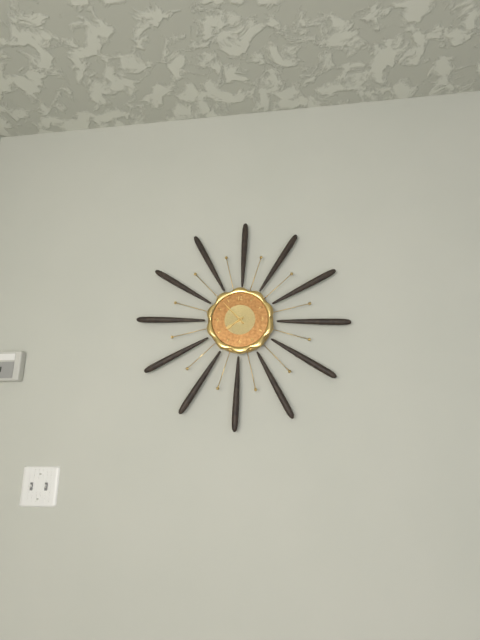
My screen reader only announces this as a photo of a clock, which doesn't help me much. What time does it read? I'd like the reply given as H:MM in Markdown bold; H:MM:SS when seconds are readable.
**7:53**
